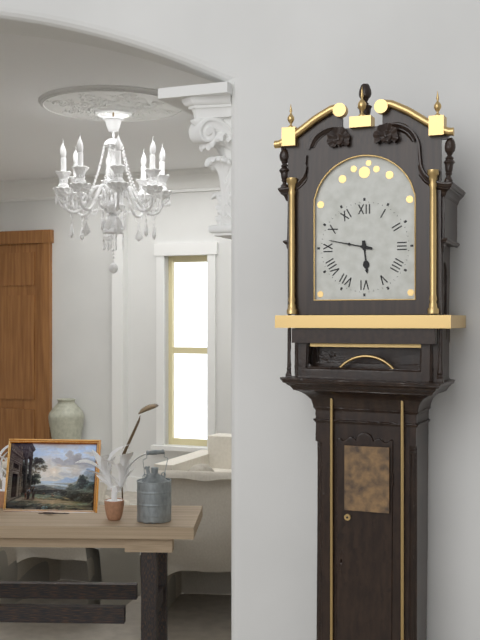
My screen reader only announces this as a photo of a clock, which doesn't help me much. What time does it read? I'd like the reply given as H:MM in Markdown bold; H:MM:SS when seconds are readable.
**5:47**
